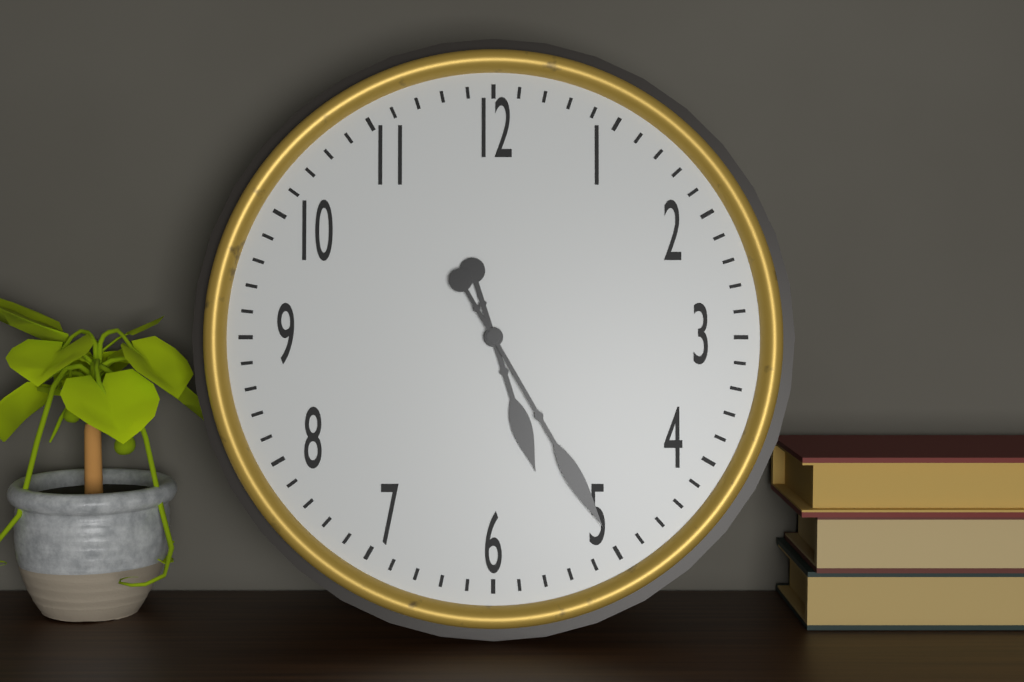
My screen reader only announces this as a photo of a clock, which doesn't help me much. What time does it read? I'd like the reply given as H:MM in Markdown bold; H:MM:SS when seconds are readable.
**5:25**
